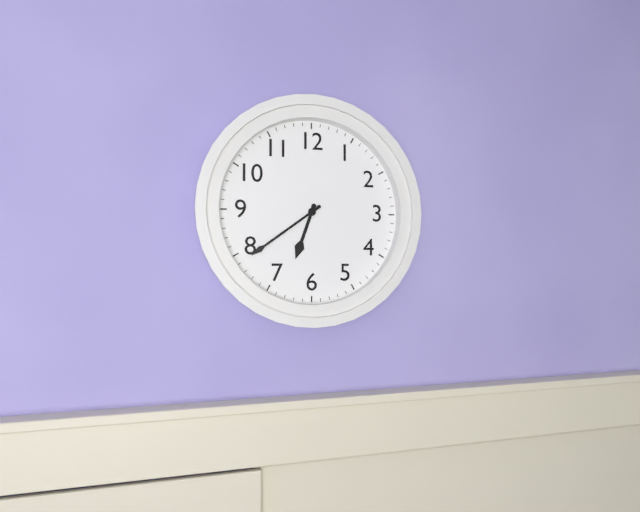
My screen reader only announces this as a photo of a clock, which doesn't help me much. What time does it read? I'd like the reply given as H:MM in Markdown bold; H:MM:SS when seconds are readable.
**6:39**
